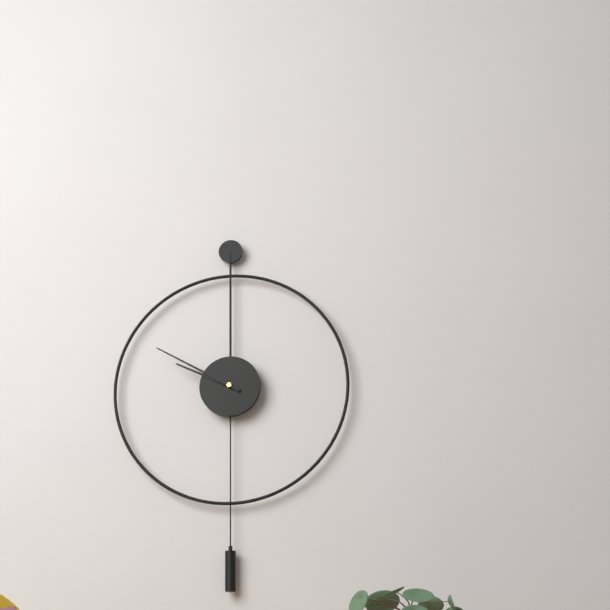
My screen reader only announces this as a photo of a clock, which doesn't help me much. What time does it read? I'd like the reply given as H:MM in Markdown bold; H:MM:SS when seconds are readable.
**9:50**
